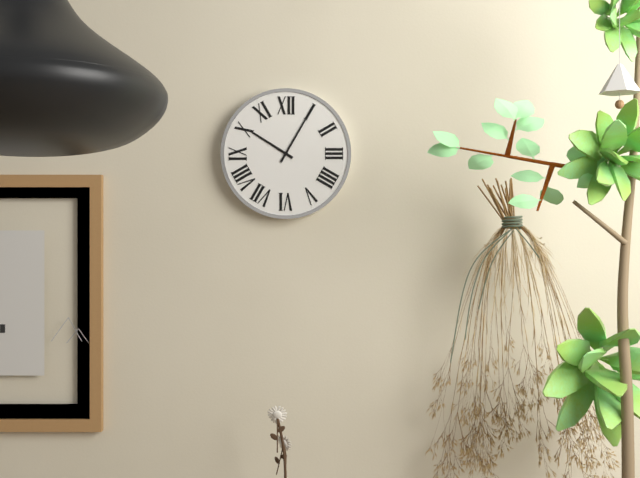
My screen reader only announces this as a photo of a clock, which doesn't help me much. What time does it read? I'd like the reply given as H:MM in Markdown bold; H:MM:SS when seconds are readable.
**10:05**
